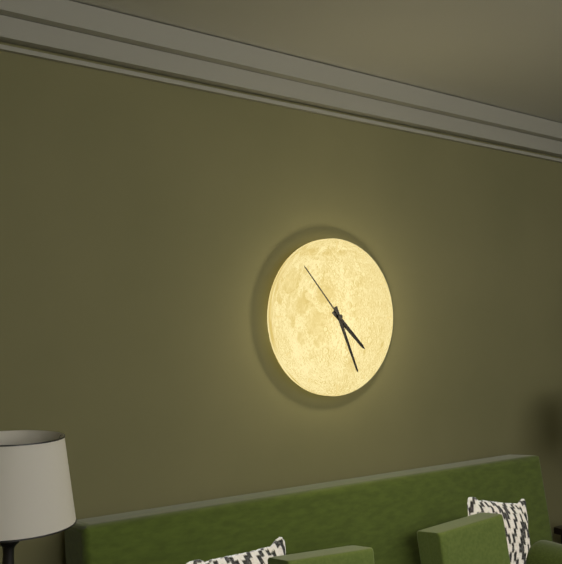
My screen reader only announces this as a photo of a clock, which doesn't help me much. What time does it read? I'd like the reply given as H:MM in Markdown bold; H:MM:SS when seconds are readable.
**4:26:53**
